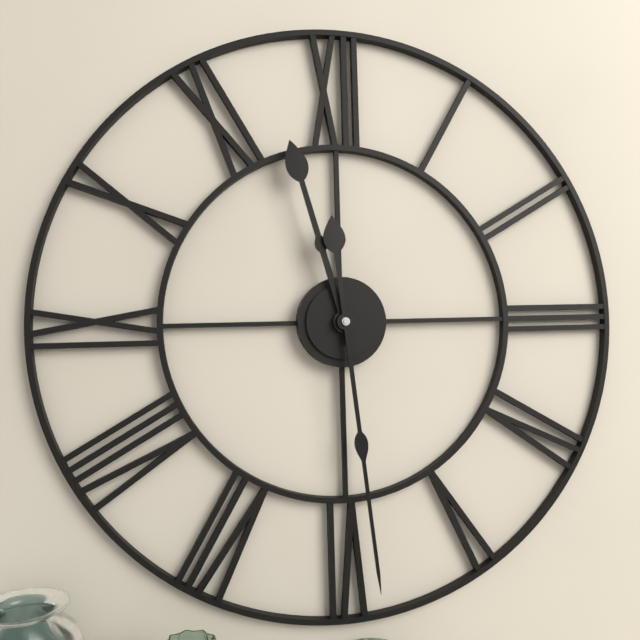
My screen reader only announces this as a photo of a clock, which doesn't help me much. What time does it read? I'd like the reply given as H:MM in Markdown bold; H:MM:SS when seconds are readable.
**11:29**
